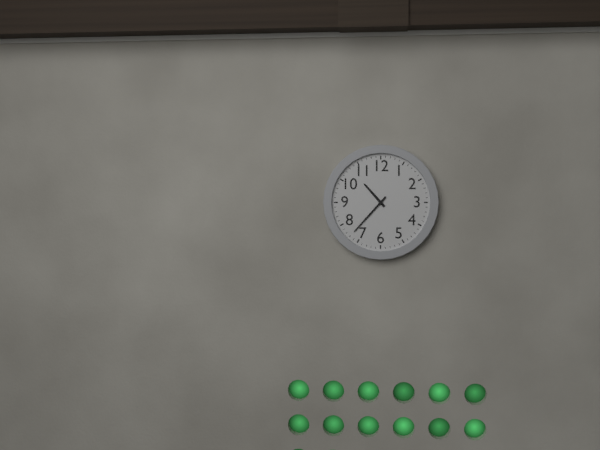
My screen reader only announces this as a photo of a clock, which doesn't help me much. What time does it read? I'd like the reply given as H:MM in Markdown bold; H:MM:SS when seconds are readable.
**10:37**
